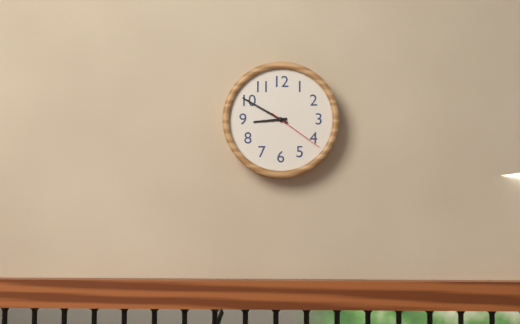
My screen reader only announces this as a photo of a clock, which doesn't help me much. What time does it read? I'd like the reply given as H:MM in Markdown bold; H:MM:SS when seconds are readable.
**8:50:21**
